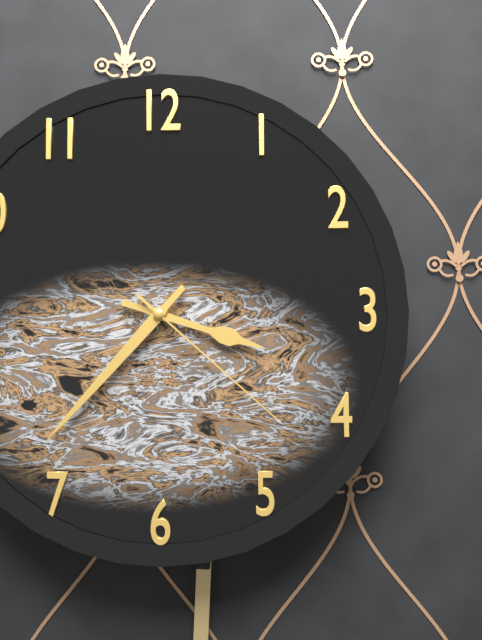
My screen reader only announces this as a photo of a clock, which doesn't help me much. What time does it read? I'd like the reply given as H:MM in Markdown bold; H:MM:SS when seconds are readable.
**3:37:22**
